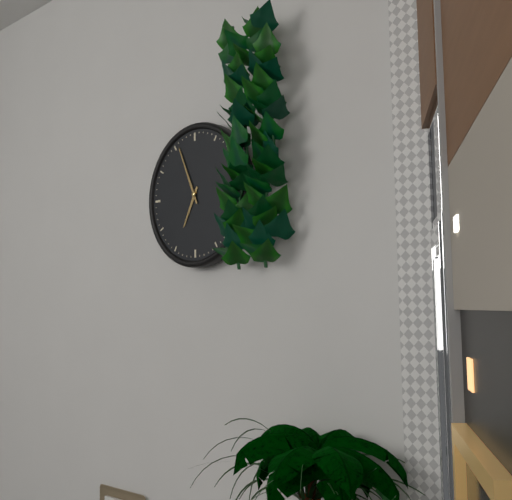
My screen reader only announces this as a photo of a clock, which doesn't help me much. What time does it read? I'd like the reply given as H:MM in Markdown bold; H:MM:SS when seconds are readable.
**6:56**
